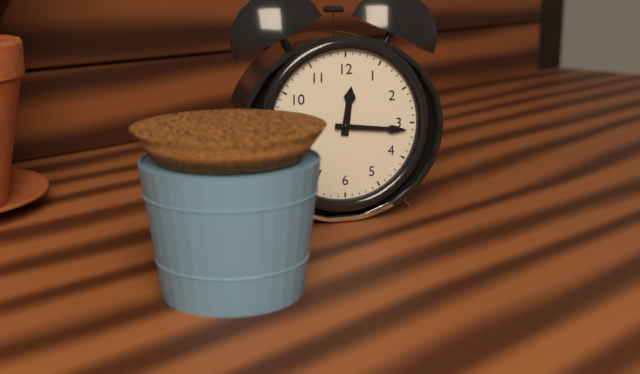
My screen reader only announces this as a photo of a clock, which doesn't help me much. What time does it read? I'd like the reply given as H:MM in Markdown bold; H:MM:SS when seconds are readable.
**12:16**
